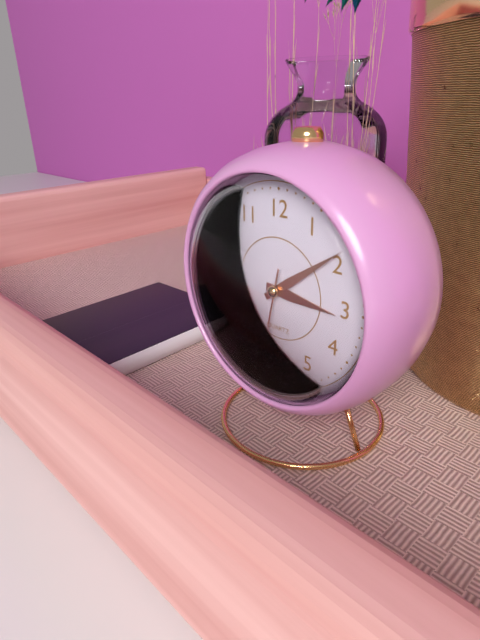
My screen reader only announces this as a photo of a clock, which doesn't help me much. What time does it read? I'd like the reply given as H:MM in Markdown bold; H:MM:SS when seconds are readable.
**3:09:32**
